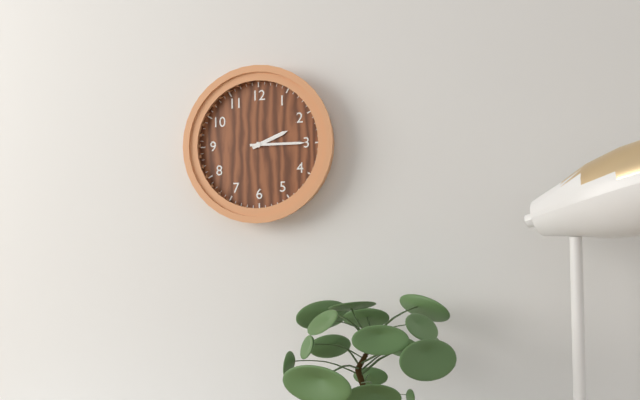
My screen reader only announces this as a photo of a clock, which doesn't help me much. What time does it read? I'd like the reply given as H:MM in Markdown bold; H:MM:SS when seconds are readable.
**2:15**
